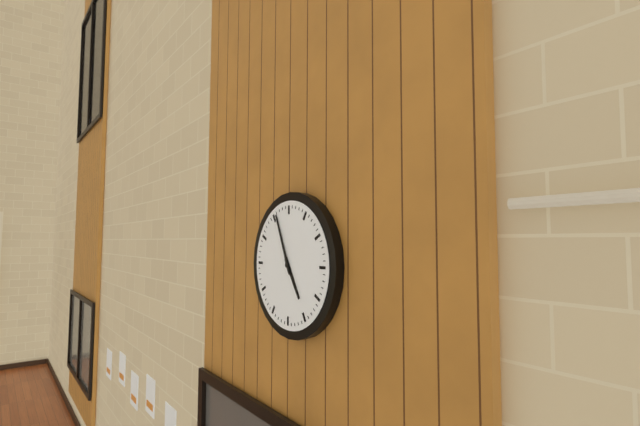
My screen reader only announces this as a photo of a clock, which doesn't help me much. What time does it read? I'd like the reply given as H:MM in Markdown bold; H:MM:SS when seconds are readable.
**4:56**
